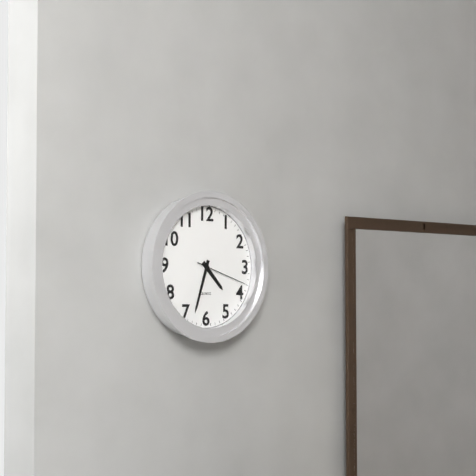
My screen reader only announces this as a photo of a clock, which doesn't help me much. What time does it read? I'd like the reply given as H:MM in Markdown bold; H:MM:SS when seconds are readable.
**4:33:18**
